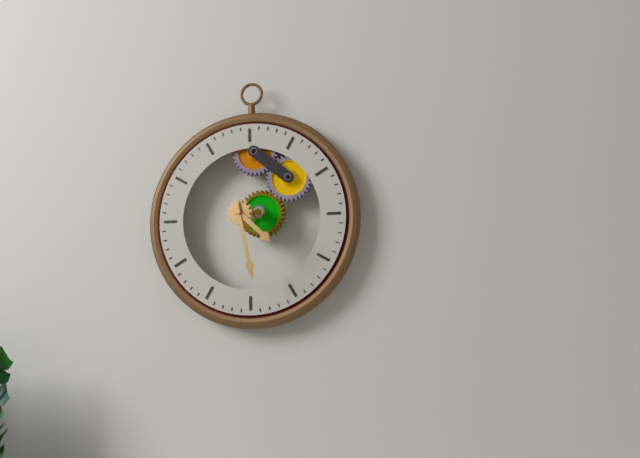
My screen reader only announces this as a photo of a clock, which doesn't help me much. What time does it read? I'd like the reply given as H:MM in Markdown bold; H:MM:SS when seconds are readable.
**4:28**
